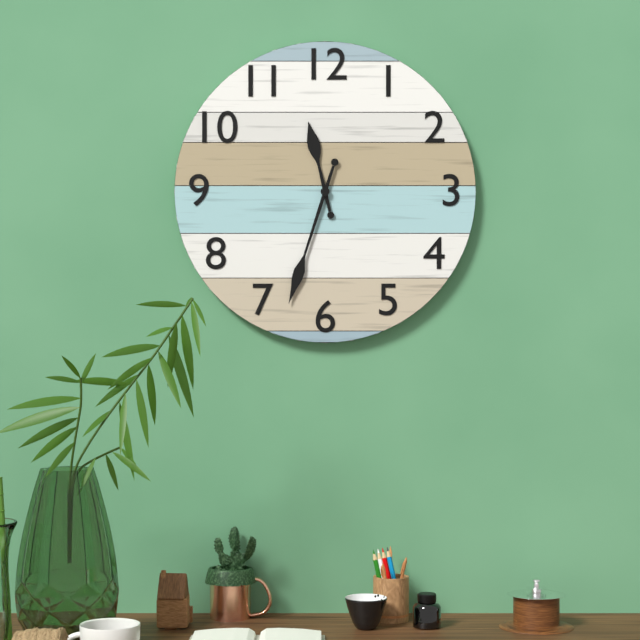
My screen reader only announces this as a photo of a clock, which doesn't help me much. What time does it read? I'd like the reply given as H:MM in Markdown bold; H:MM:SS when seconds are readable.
**11:33**
